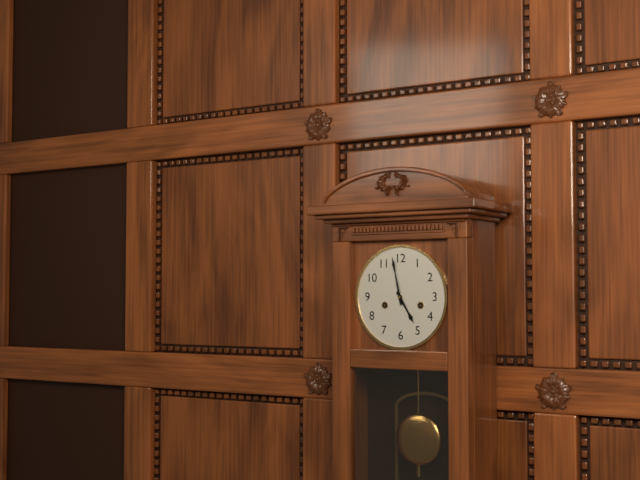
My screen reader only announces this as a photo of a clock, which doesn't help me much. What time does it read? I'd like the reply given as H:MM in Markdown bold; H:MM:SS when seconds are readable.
**4:58**
